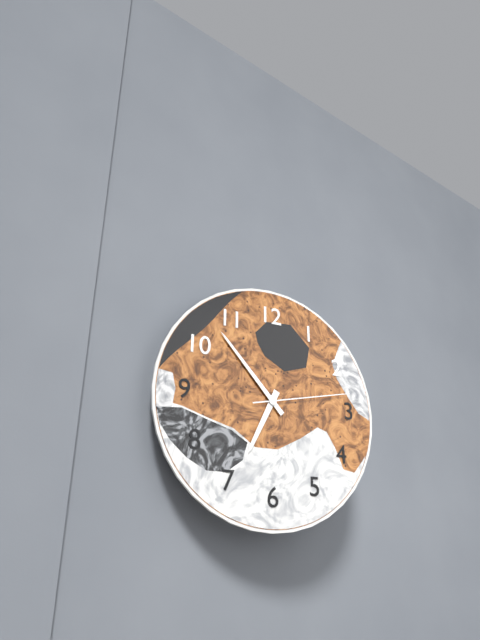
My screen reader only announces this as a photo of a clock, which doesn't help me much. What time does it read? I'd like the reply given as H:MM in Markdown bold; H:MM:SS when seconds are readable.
**6:53:13**
